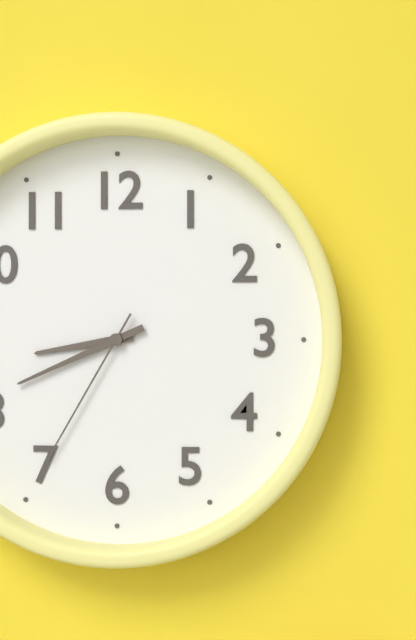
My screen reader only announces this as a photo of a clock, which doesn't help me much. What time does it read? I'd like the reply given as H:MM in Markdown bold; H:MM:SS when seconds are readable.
**8:41:35**
